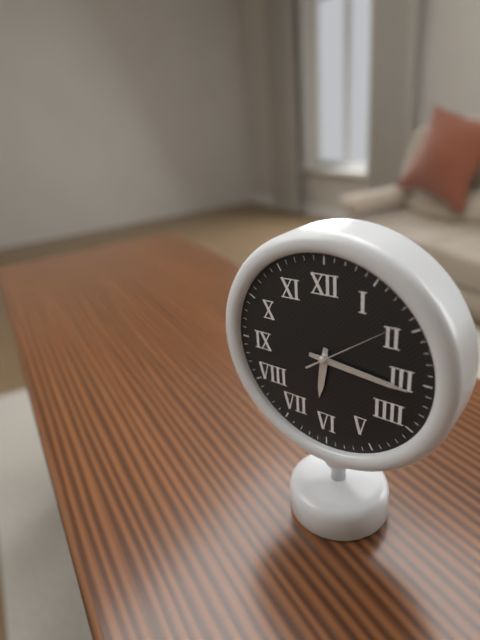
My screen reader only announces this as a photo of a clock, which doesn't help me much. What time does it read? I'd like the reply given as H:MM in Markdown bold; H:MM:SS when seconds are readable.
**6:16:09**
